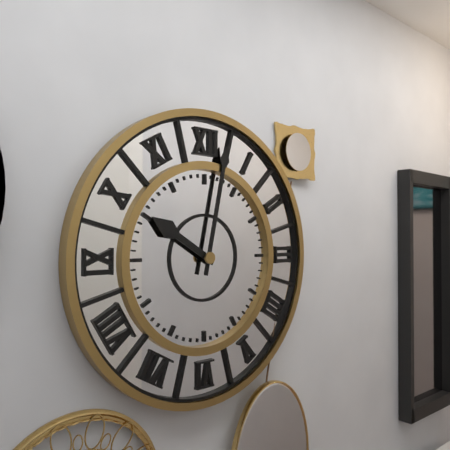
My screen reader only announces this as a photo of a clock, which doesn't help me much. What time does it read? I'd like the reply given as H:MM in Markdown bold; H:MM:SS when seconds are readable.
**10:02**
